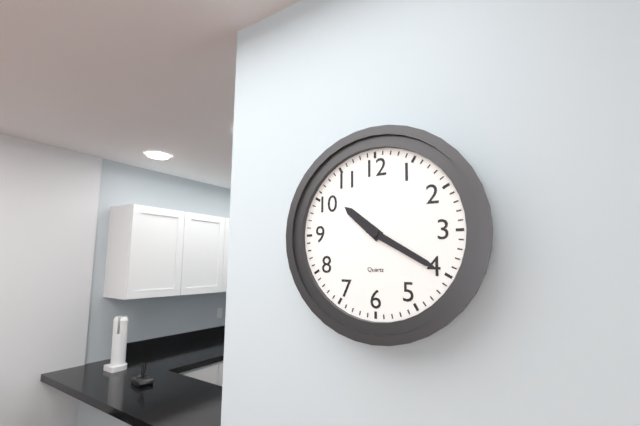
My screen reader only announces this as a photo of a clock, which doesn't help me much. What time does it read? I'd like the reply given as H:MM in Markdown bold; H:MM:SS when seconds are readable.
**10:20**
